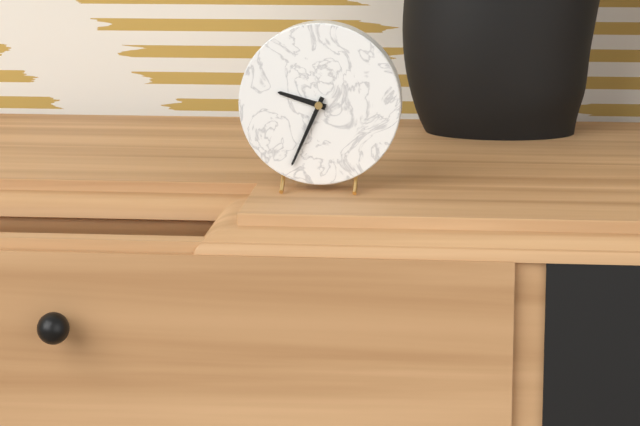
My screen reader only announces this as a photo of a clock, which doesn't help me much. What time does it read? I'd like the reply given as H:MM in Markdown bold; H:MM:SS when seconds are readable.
**9:34**
